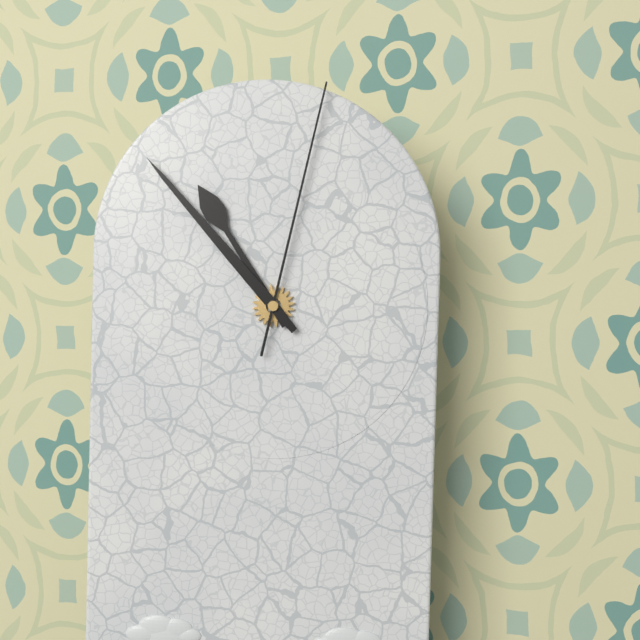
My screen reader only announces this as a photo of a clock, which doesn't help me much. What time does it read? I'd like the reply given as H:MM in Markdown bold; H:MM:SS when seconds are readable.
**10:53:02**
